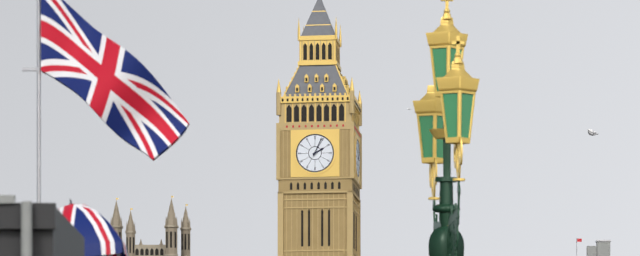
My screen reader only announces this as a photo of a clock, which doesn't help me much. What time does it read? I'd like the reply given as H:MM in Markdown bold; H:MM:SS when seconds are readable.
**2:04**
